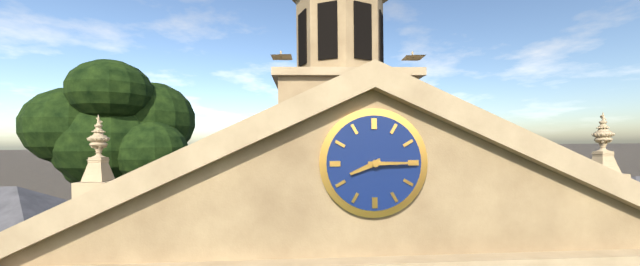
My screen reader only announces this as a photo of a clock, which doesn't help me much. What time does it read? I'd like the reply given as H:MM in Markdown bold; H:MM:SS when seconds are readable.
**8:15**
